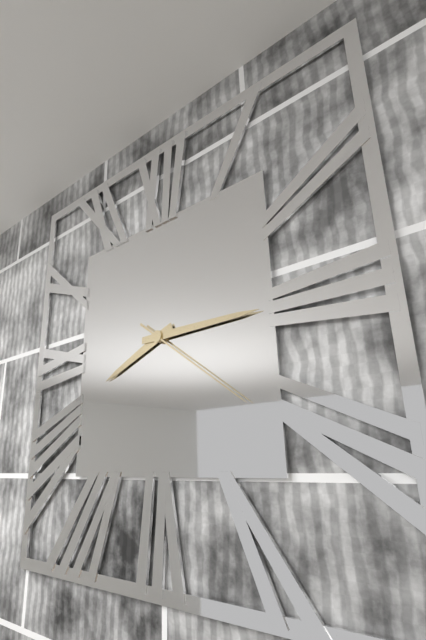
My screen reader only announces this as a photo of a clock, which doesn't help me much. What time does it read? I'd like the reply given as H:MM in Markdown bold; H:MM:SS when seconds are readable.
**8:15:21**
